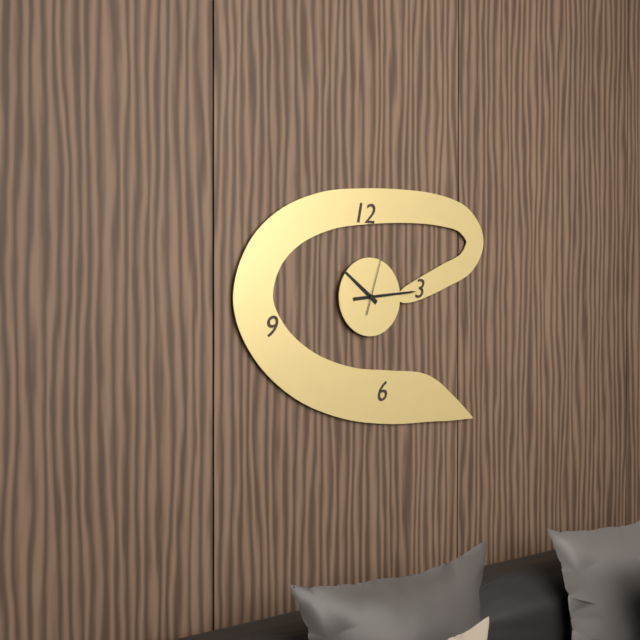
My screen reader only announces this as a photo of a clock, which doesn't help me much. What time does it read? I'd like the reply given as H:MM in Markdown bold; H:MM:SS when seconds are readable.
**10:14:03**
